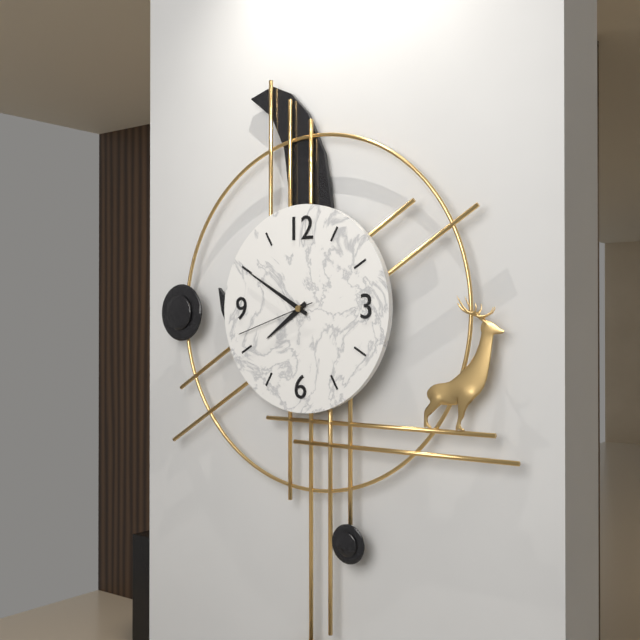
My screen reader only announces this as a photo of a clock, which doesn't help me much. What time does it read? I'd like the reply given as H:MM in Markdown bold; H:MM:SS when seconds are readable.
**7:50:42**
